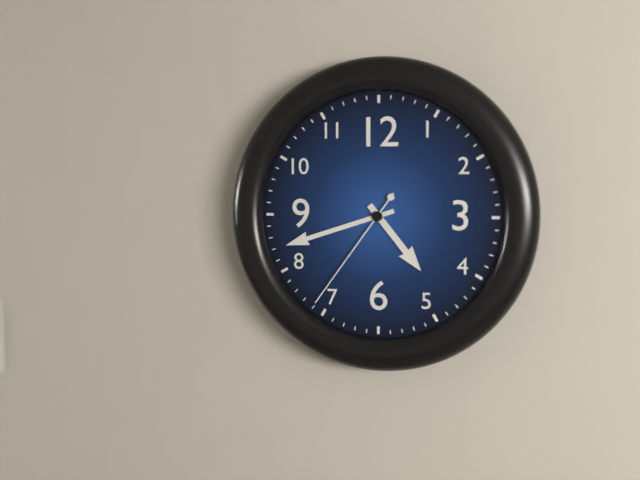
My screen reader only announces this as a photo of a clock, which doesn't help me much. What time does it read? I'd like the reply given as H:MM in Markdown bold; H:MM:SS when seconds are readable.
**4:42:36**
